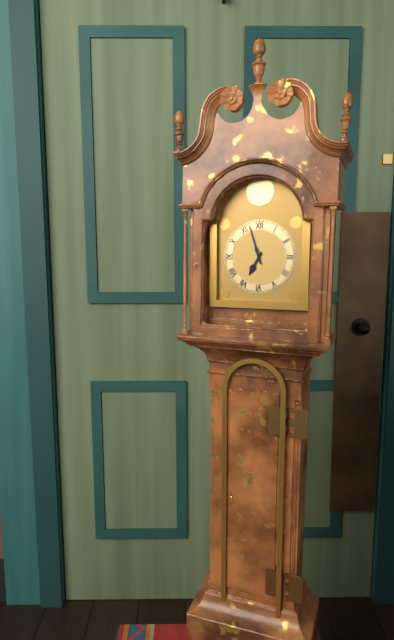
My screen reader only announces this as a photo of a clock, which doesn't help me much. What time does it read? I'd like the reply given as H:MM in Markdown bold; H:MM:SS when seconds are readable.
**6:57**
